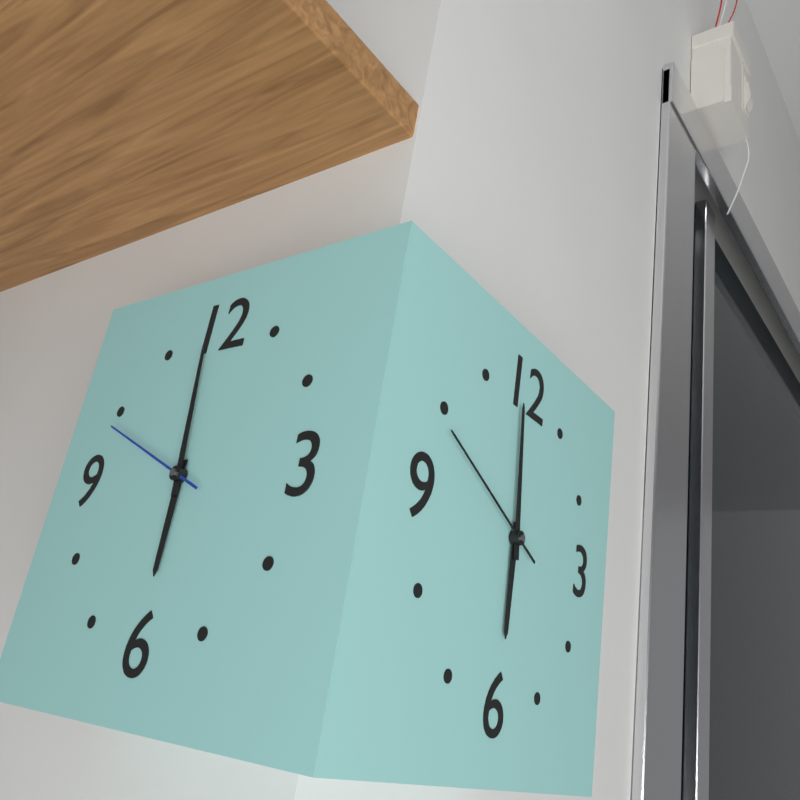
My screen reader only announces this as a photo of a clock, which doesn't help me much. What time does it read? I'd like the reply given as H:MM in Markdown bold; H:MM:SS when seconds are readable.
**5:59:49**
